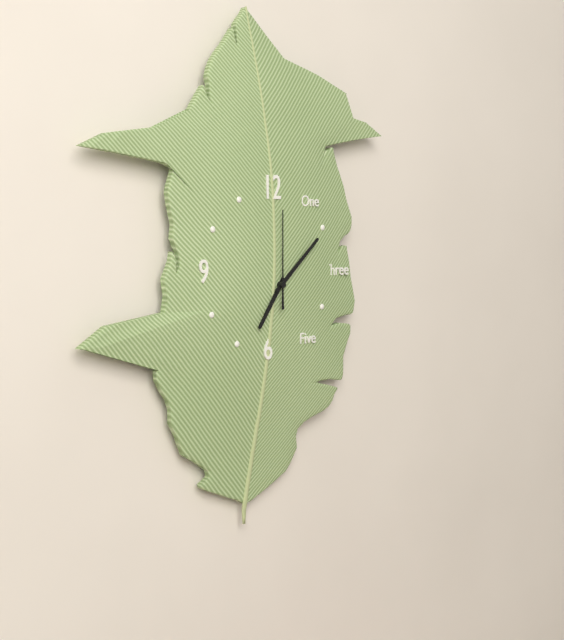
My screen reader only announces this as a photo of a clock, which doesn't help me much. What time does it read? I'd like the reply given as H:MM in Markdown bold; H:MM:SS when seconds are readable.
**7:08:00**
